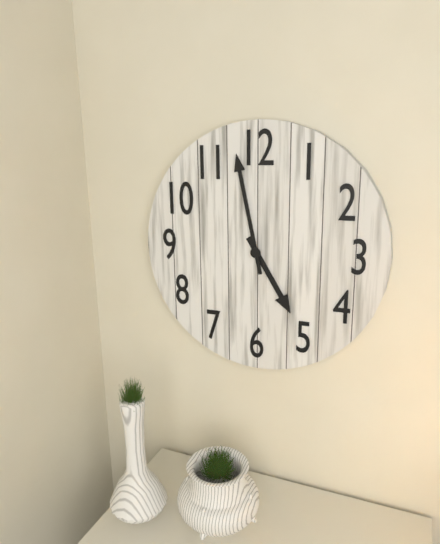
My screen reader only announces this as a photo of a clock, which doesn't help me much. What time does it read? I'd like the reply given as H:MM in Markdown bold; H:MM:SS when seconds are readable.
**4:58**
